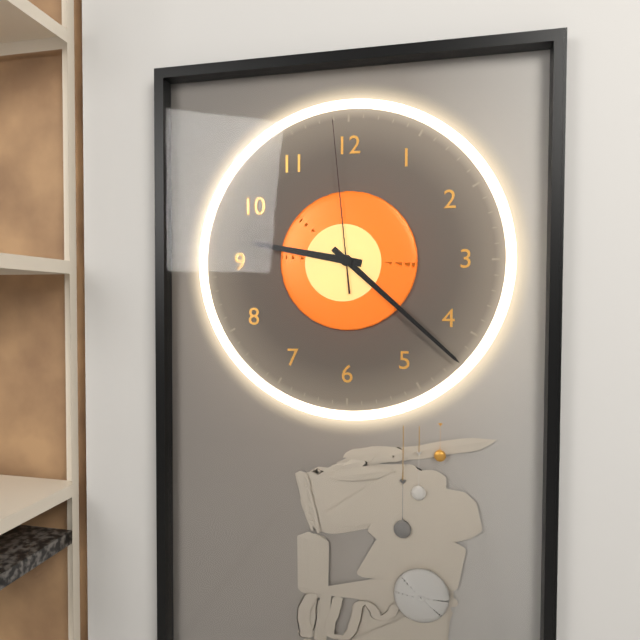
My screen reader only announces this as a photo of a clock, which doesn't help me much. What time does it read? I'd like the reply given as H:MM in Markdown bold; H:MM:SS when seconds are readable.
**9:22:59**
